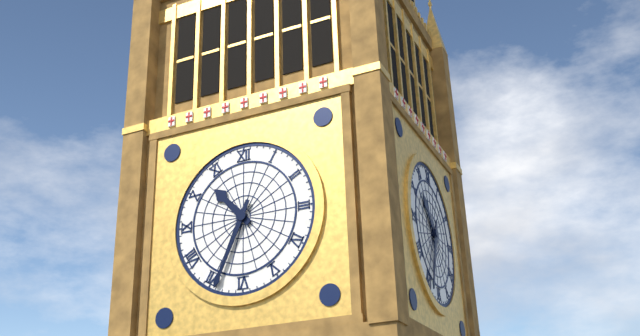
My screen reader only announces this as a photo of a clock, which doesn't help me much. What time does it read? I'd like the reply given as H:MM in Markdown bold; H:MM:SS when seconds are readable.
**10:34**
